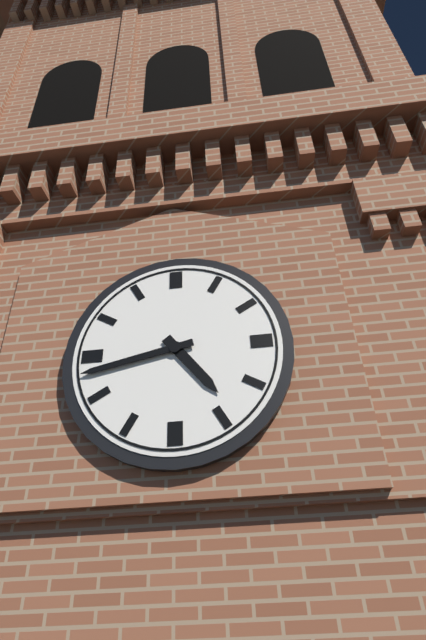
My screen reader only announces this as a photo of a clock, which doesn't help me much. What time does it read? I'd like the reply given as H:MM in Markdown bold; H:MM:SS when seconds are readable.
**4:43**
